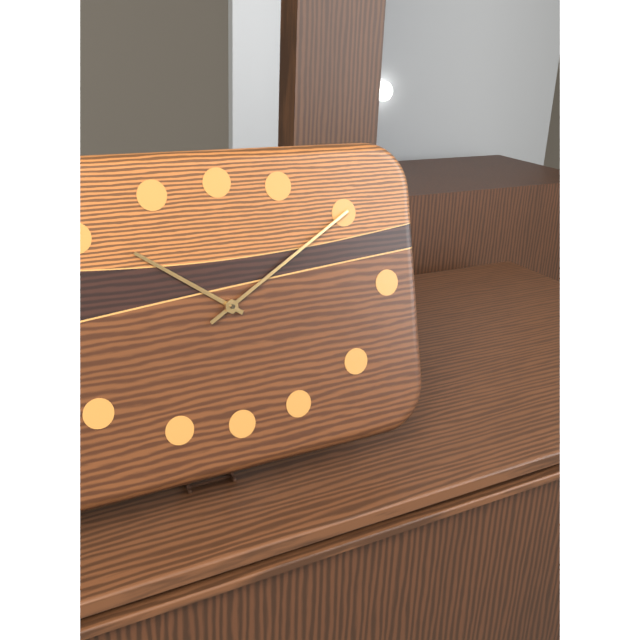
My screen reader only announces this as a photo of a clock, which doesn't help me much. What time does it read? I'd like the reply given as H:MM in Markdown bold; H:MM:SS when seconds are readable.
**10:10**
